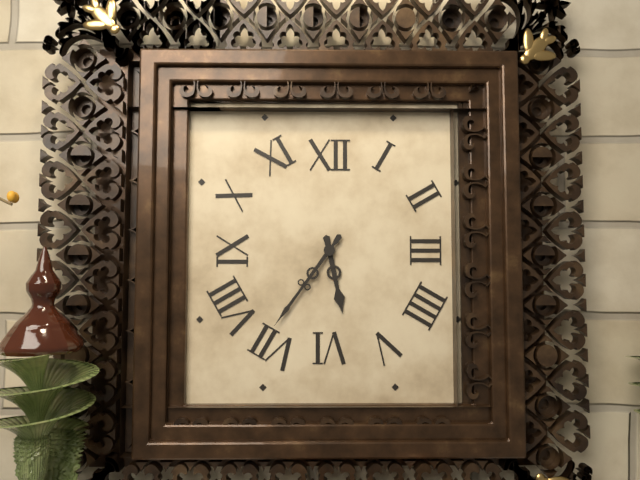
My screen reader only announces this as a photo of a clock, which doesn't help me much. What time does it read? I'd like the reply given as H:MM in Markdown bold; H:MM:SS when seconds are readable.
**5:36**
